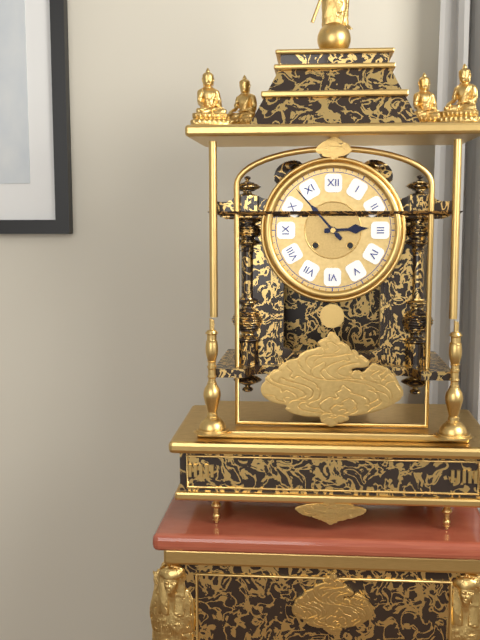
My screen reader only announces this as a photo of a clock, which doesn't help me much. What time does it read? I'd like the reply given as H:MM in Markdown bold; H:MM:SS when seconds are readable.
**2:53**
